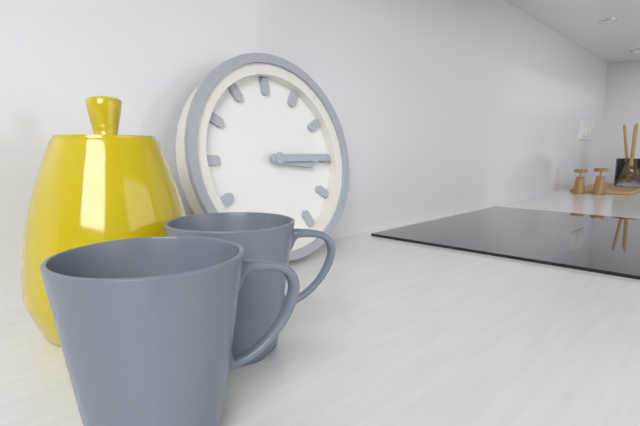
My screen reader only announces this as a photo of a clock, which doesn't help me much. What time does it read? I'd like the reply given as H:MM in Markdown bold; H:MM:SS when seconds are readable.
**3:15**
